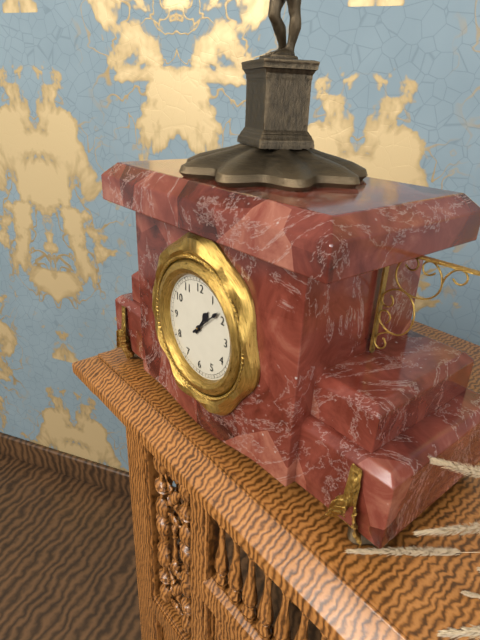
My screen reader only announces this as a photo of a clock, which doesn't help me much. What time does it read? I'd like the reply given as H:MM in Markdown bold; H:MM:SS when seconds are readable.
**1:08**
